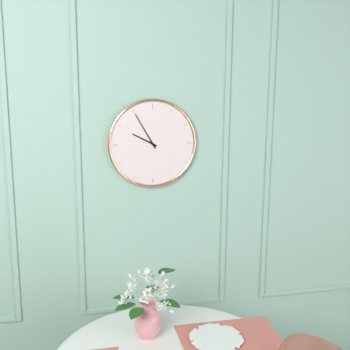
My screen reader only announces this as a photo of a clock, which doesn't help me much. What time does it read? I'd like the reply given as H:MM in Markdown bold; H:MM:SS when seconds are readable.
**9:55**
